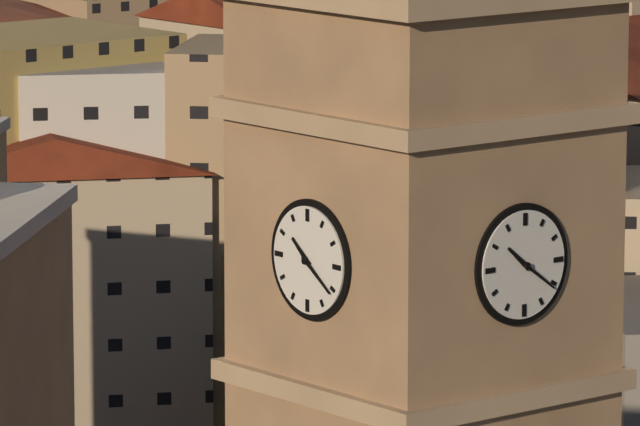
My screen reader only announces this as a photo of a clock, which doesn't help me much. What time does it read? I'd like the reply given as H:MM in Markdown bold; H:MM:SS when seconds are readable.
**10:21**
